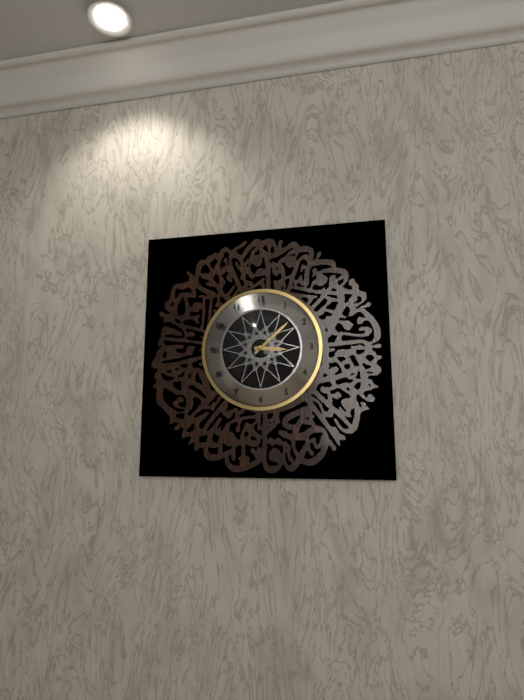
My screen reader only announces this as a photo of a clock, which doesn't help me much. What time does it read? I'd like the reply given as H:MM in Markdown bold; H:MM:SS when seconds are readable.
**3:08**
